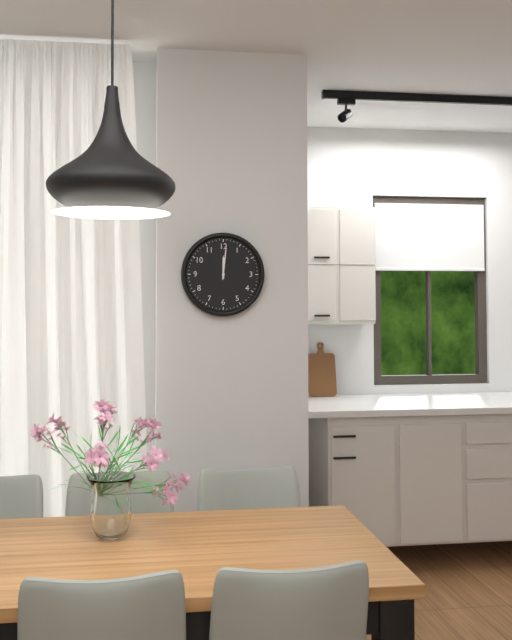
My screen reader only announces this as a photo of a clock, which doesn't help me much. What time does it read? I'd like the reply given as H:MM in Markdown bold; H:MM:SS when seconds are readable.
**12:01**
